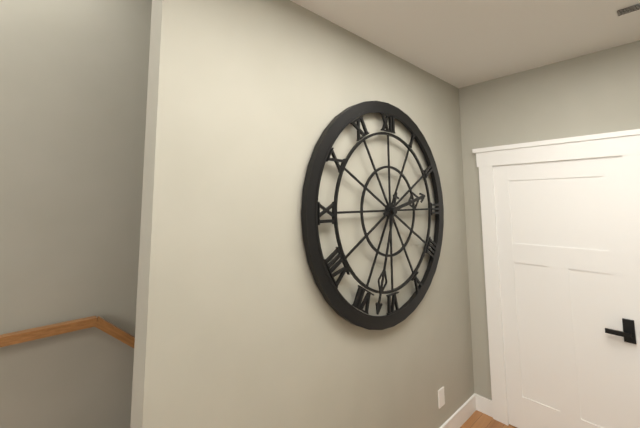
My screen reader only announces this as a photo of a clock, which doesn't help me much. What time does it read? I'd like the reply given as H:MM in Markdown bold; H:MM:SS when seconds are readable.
**2:33**
